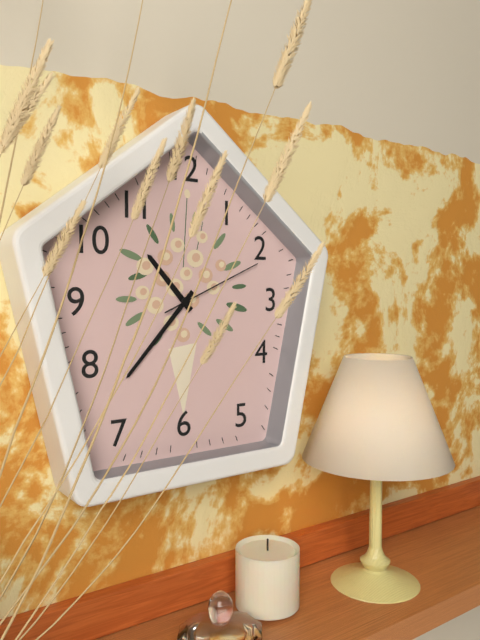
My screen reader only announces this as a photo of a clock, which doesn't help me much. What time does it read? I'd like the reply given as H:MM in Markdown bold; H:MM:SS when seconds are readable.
**10:37:11**
